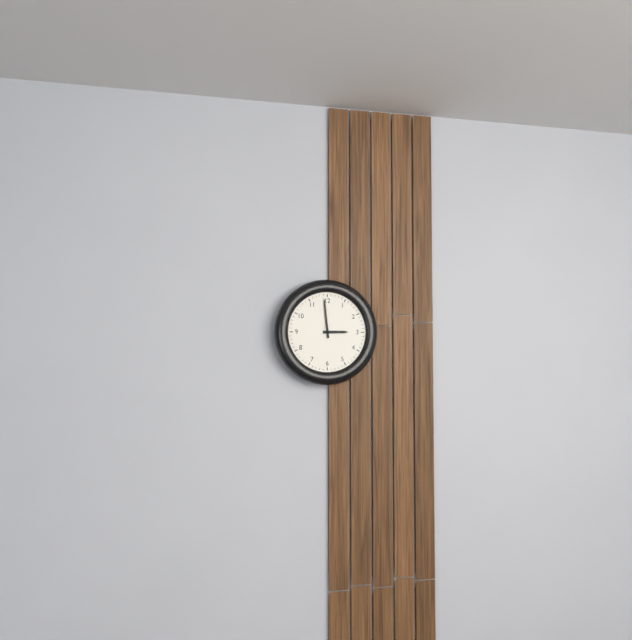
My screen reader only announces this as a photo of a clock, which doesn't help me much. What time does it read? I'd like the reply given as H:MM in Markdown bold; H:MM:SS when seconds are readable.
**2:59**
